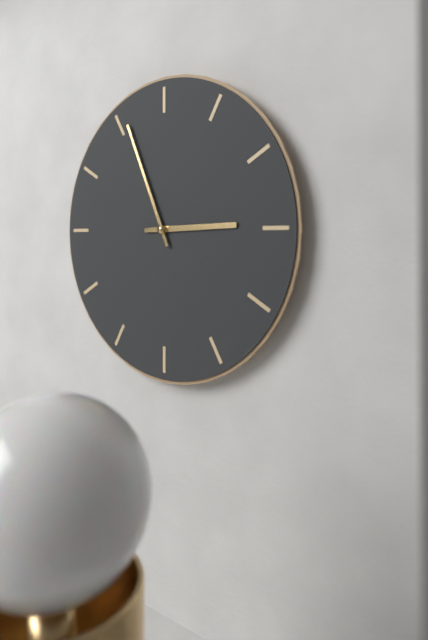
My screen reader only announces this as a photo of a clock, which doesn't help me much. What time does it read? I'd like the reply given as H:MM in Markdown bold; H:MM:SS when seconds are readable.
**2:56**
